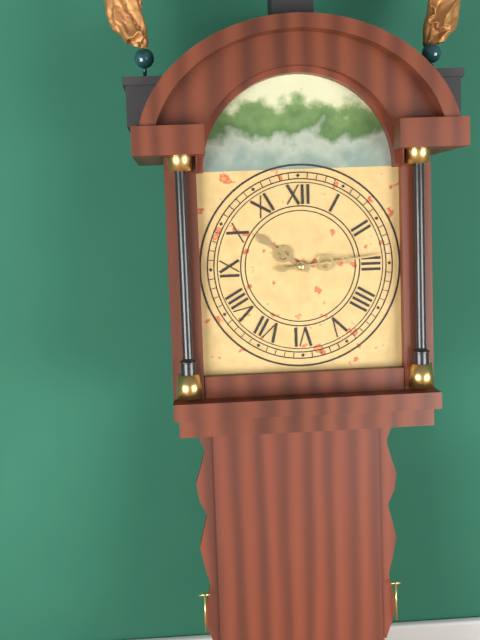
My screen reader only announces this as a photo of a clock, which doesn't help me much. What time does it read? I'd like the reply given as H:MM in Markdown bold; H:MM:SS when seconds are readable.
**10:14**
